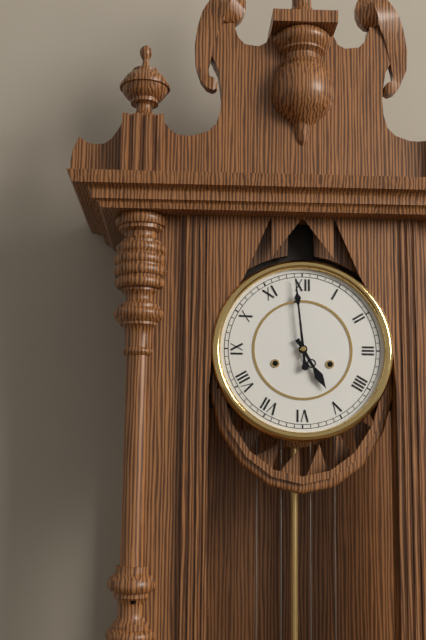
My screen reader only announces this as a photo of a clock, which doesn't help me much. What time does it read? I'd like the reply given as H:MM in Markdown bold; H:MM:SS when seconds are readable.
**4:59**
